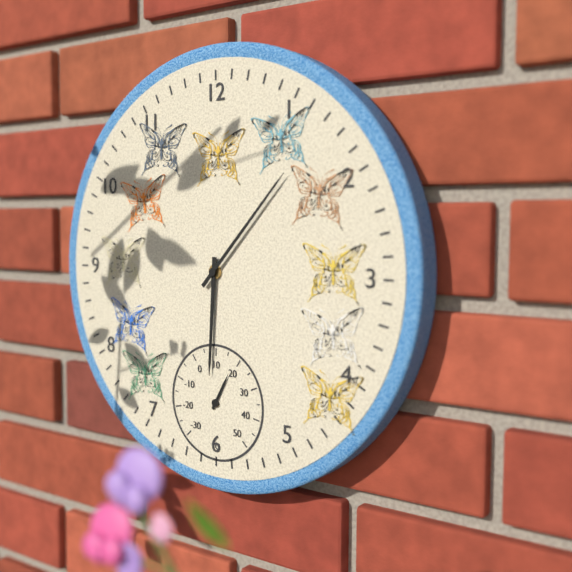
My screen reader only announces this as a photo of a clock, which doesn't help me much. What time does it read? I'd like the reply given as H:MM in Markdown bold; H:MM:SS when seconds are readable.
**6:07**
